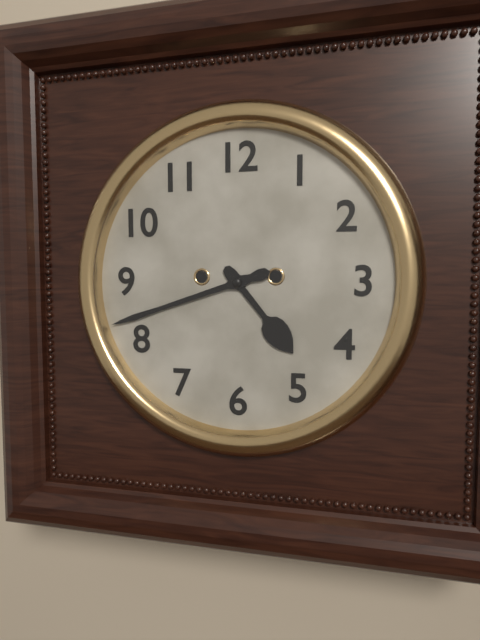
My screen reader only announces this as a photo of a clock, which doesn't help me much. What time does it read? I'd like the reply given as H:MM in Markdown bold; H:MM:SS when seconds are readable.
**4:42**
